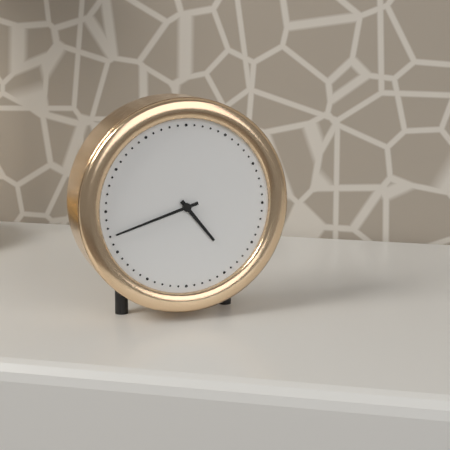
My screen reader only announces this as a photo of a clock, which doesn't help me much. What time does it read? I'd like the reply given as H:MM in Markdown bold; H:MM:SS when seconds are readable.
**4:42**
